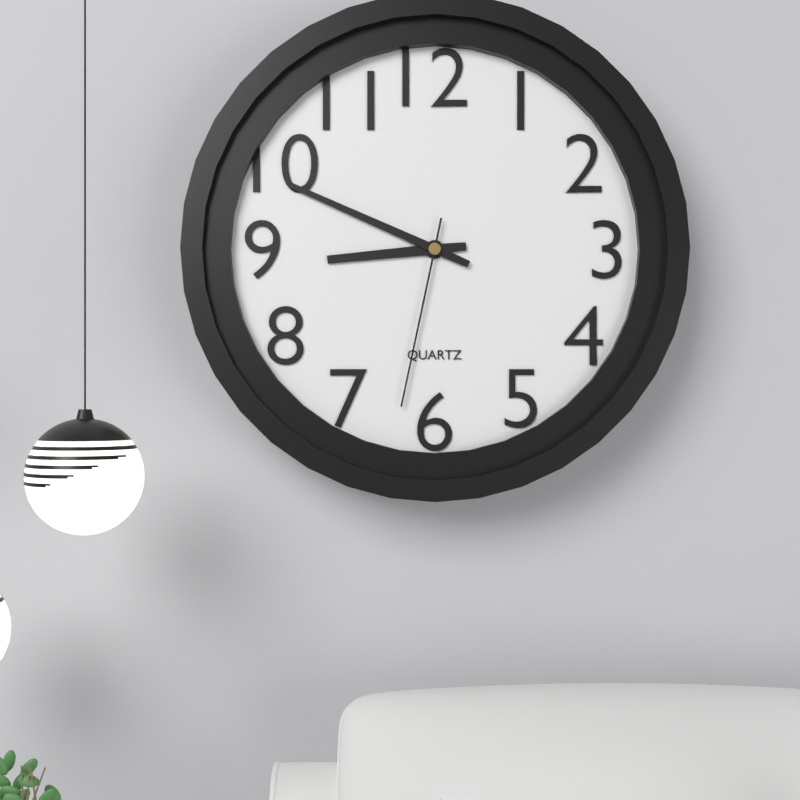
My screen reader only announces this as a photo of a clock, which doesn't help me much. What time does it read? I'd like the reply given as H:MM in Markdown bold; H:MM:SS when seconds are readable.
**8:49:32**
